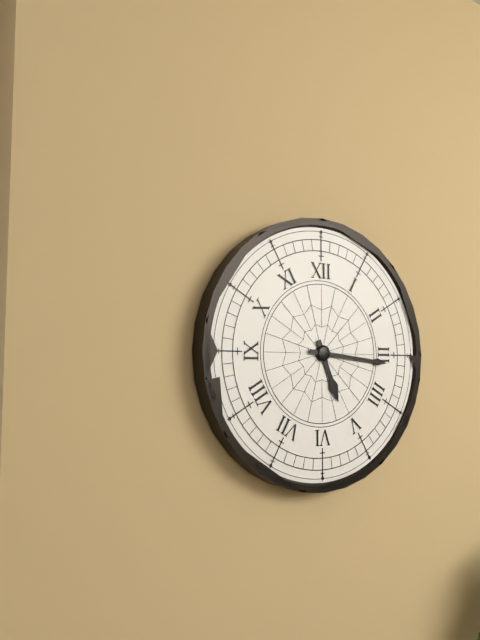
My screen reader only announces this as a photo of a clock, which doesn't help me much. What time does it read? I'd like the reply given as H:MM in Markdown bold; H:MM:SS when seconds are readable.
**5:16**
